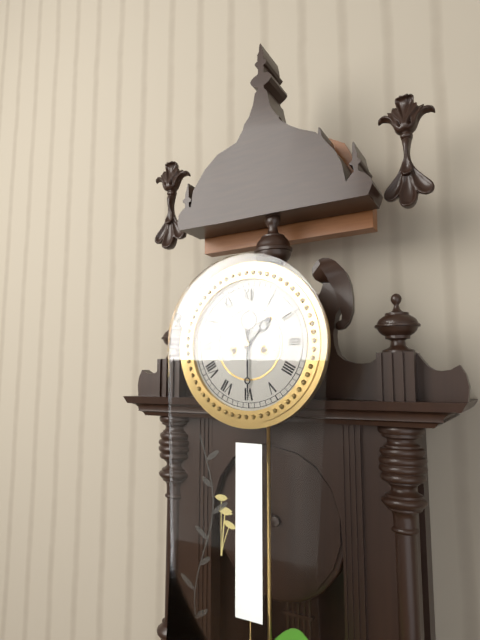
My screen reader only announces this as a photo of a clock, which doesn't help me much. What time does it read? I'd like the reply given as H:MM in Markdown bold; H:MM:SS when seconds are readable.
**1:30**
